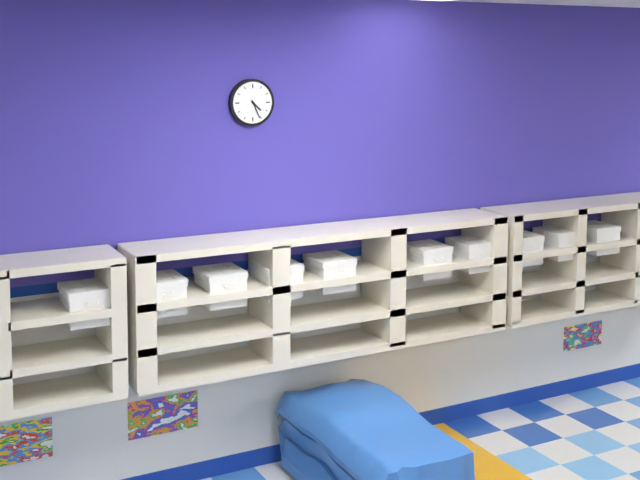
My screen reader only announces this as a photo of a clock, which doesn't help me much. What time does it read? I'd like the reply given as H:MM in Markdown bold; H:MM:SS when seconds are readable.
**4:26**
